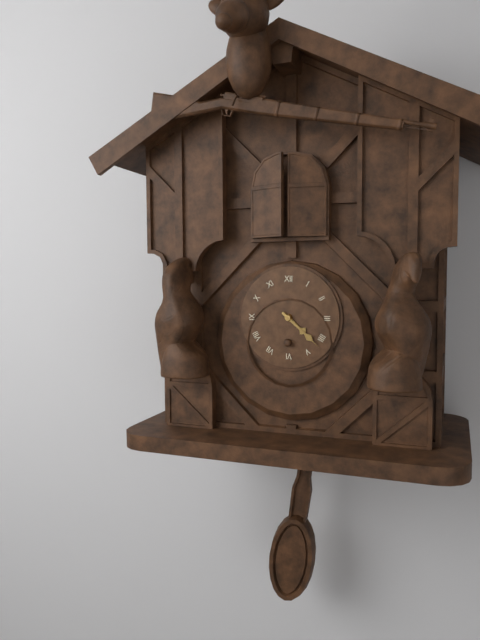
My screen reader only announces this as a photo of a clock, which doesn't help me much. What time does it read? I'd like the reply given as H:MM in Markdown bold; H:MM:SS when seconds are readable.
**4:22**
